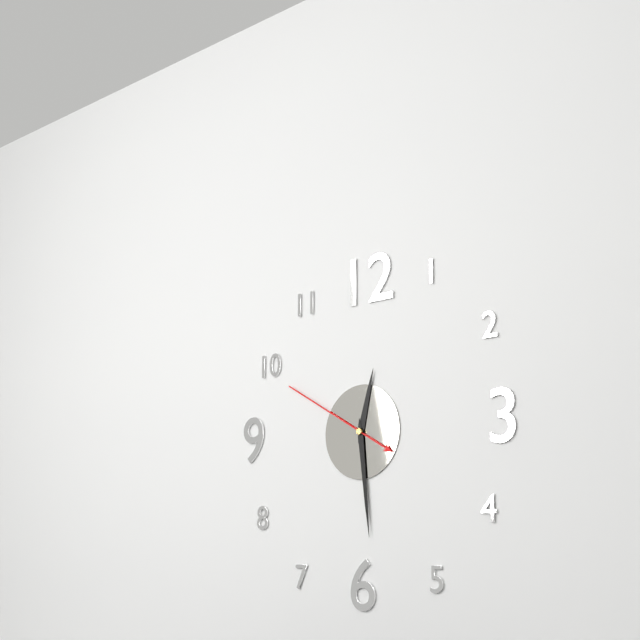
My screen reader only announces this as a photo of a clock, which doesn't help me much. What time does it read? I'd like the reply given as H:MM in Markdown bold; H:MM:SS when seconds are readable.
**12:29:50**
